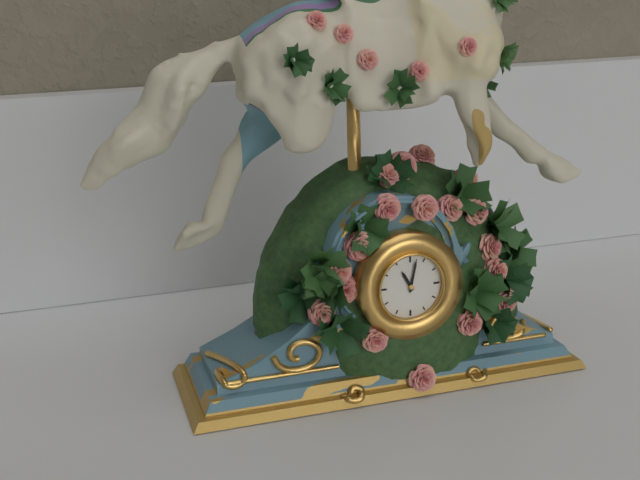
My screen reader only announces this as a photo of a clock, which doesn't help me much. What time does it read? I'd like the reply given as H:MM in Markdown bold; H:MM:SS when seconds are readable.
**11:02**
